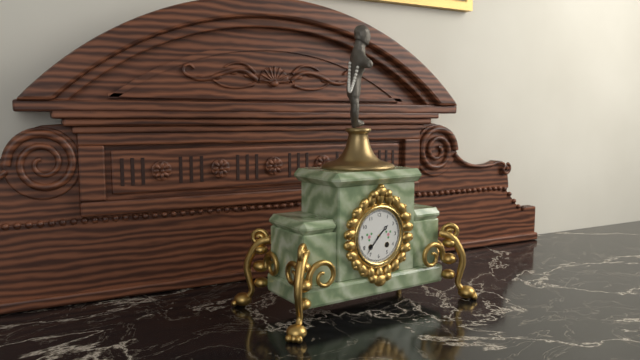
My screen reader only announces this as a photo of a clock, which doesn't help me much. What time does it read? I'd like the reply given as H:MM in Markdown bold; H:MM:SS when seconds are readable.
**1:37**
